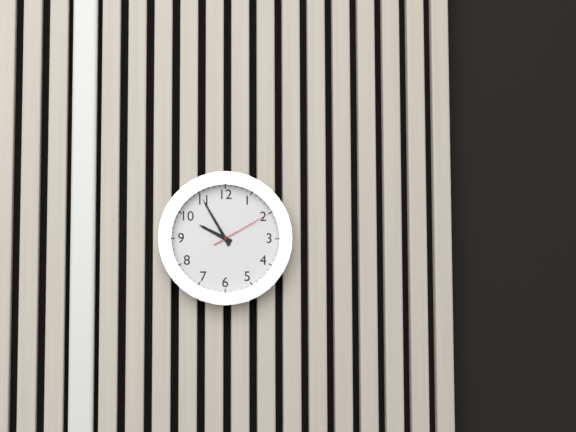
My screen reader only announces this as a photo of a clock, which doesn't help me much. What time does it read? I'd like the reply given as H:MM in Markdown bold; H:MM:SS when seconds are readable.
**9:55:10**
